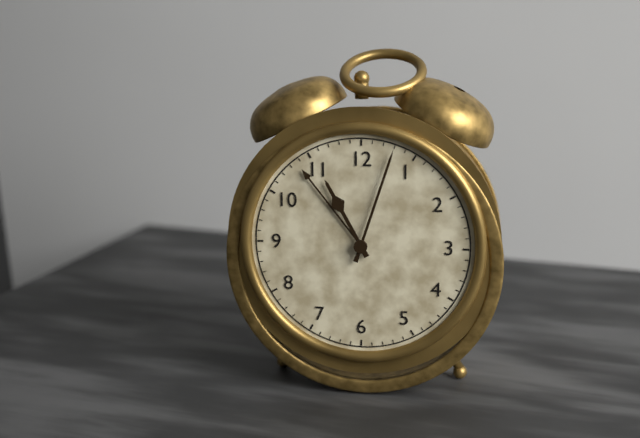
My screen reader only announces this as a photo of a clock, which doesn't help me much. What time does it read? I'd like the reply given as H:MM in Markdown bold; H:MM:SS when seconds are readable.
**11:03**
